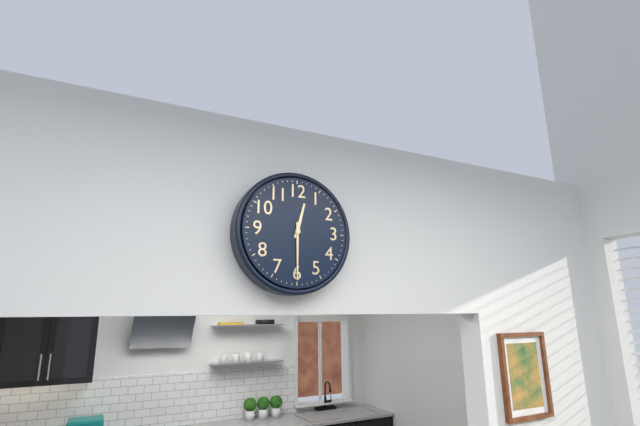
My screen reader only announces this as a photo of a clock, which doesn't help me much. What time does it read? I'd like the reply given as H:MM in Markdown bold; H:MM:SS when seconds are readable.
**12:30**
